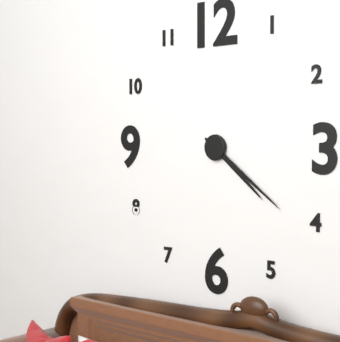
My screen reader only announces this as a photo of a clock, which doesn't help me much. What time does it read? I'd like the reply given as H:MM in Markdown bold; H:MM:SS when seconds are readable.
**4:21**
